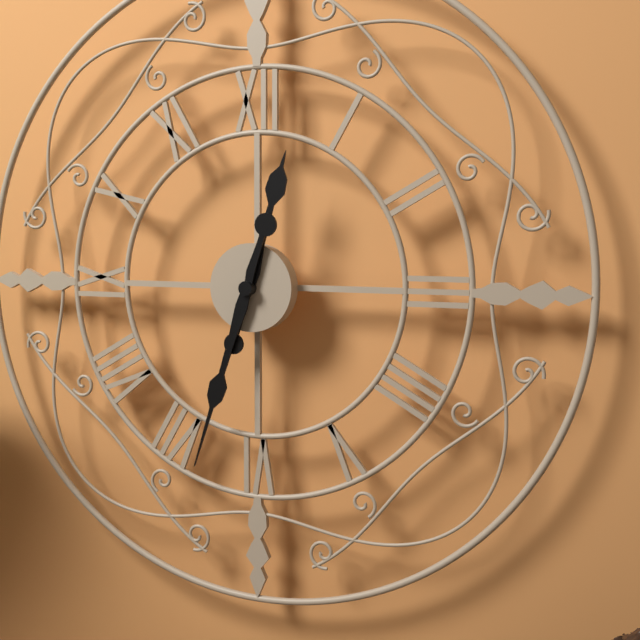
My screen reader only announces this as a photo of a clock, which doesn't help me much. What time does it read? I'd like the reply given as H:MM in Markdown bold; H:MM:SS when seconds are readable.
**12:33**
